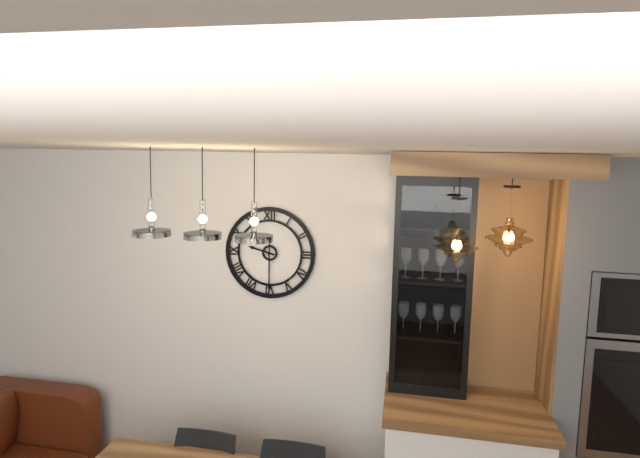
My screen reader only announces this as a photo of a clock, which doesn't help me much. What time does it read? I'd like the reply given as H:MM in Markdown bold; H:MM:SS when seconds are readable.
**9:30**
